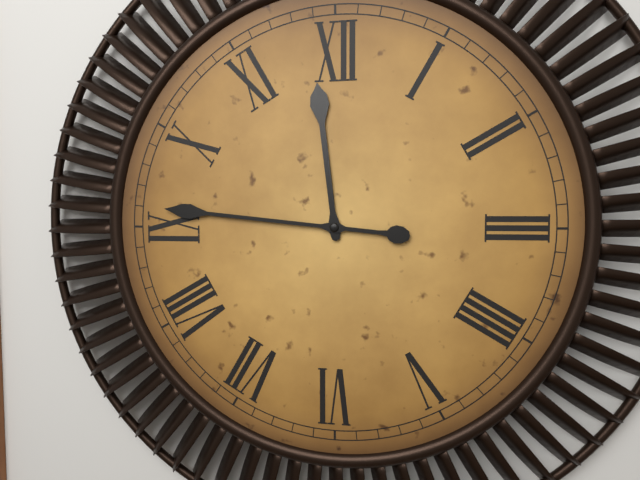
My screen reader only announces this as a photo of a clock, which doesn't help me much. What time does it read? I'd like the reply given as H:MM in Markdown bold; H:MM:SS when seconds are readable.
**11:46**
